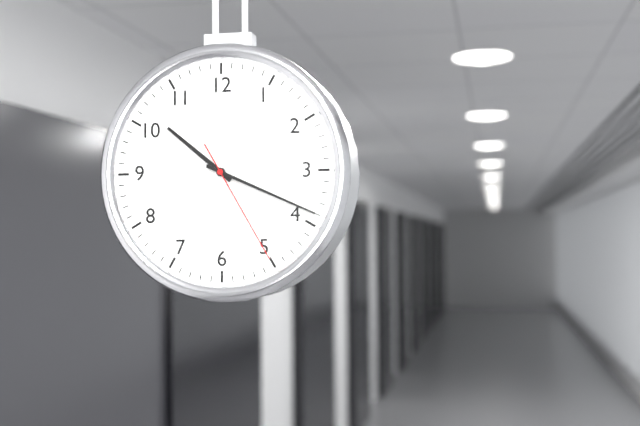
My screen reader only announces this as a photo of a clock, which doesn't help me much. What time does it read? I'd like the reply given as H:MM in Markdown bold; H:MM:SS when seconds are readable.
**10:19:25**
